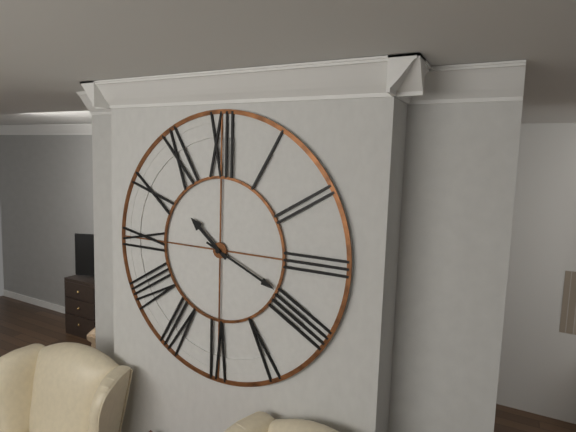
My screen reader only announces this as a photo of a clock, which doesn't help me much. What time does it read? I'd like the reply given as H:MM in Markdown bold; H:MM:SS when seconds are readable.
**10:19**
